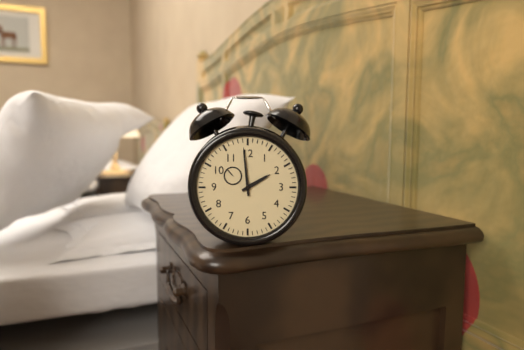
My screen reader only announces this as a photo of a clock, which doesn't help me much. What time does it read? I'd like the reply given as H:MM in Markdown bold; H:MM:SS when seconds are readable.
**1:59**
